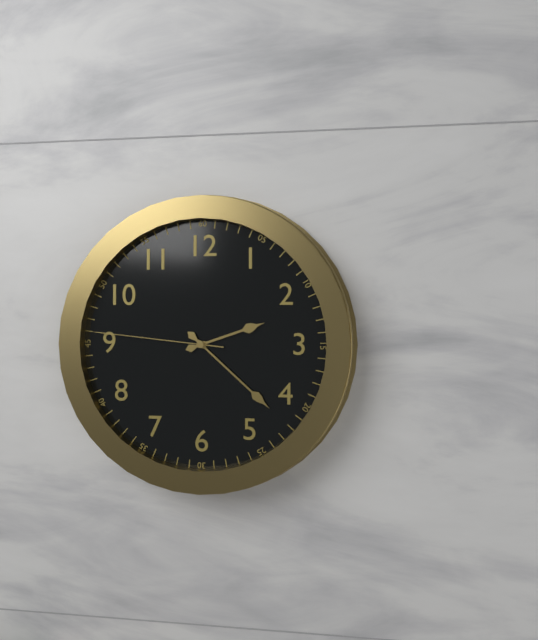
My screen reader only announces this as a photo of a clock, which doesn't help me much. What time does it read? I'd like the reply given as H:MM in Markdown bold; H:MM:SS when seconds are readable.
**2:22:46**
